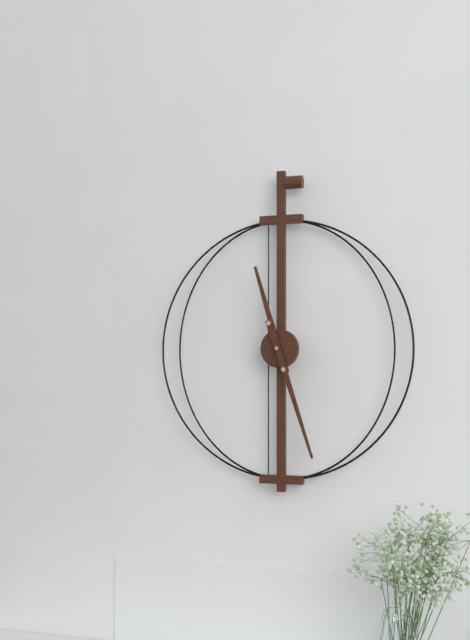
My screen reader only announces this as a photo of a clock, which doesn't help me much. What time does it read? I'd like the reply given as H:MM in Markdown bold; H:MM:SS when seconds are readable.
**11:27**
